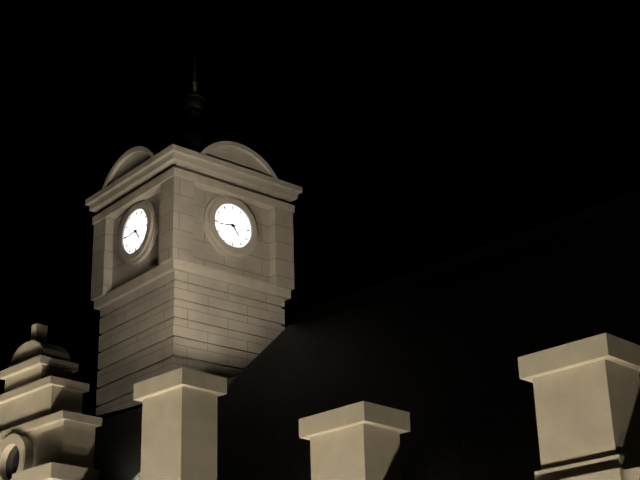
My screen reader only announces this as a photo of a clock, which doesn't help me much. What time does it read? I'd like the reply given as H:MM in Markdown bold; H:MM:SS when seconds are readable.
**4:44**
